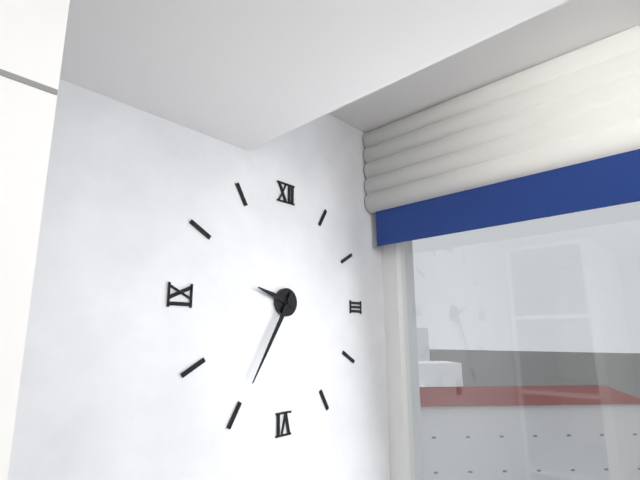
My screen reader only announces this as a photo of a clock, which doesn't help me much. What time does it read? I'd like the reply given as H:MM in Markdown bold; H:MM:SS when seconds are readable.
**9:35**
